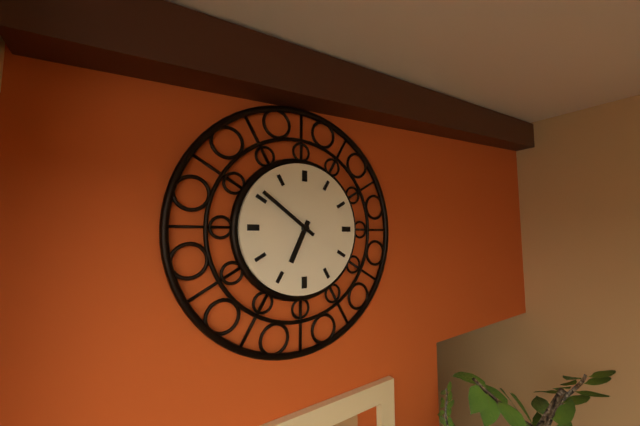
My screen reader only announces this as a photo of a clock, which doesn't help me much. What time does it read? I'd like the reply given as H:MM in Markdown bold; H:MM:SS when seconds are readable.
**6:51**
